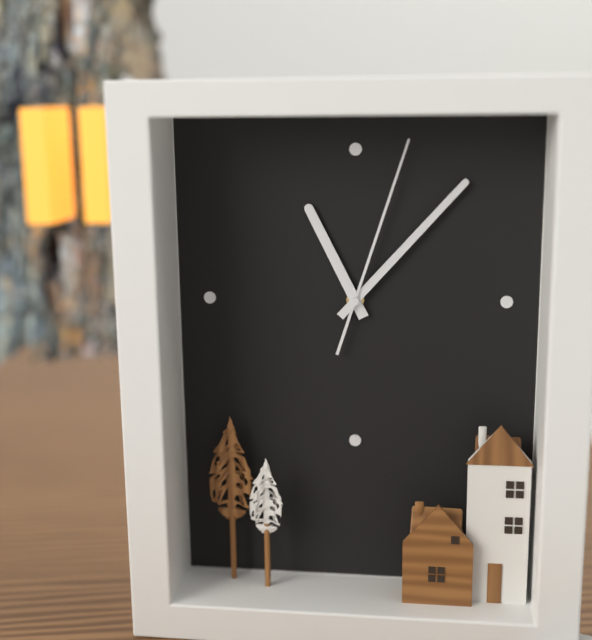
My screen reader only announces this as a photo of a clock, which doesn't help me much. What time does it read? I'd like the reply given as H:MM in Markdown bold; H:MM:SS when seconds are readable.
**11:07:03**
